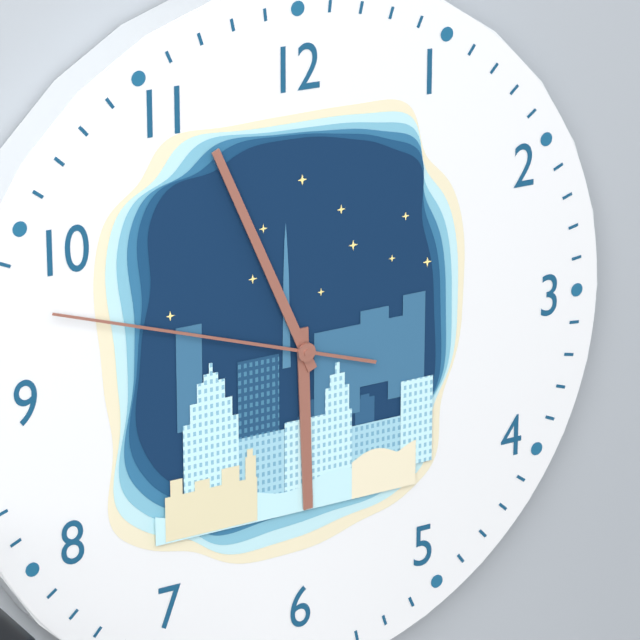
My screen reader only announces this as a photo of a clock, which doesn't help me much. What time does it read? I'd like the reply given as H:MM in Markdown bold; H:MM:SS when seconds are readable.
**5:56:48**
